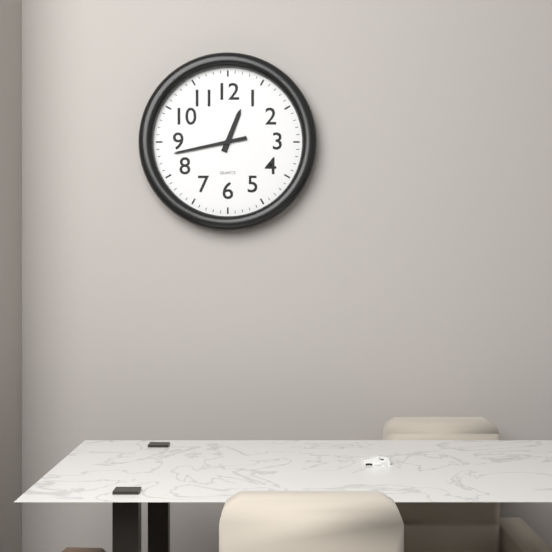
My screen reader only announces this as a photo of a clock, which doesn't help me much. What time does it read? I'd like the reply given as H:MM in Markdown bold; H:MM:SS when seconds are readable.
**12:43**
